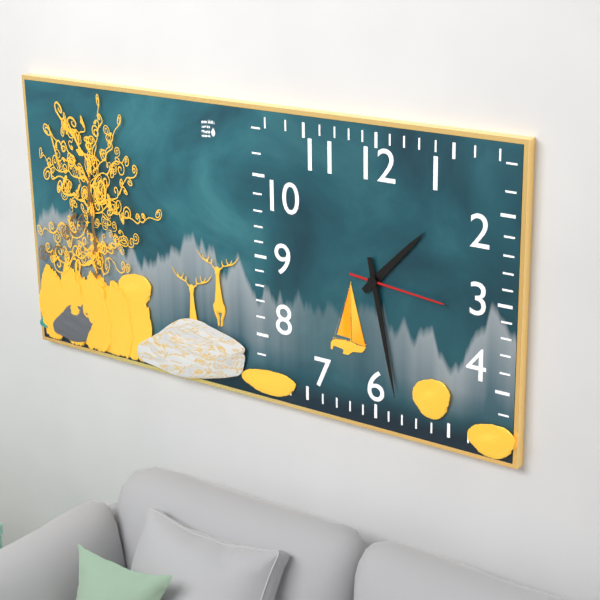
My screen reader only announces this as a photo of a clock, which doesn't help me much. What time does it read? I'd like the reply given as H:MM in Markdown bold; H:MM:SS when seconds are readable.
**1:28:16**
